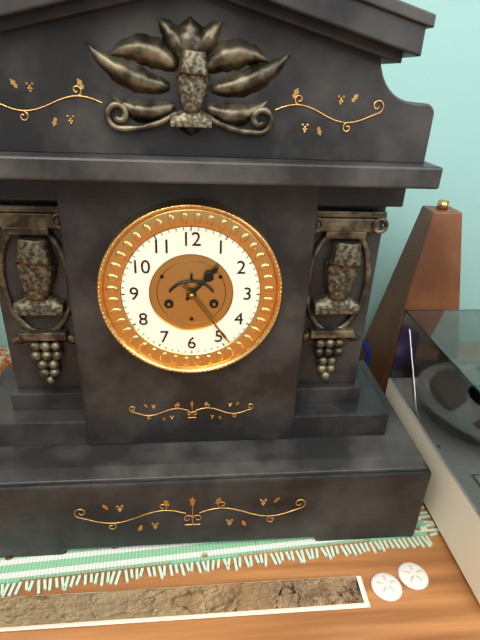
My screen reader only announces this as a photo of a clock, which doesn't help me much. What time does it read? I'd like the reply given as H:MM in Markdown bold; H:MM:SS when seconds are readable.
**1:24**
